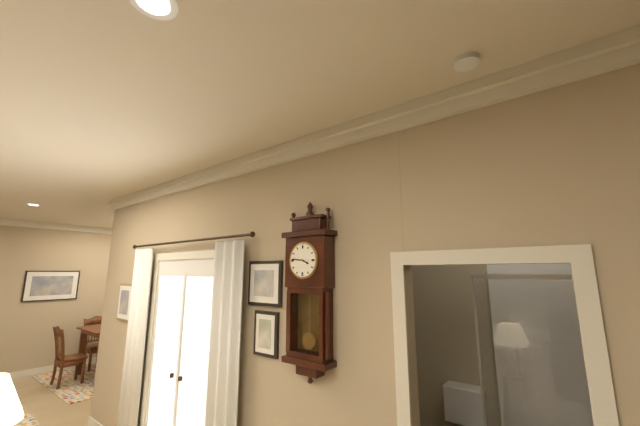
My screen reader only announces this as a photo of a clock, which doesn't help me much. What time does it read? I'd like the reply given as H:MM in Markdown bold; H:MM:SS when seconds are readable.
**3:46**
